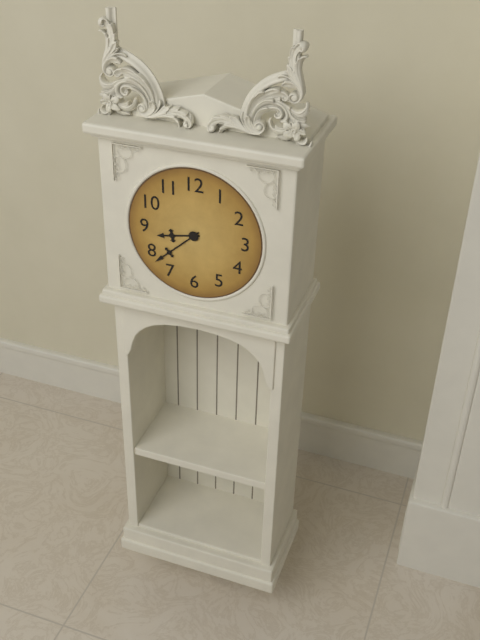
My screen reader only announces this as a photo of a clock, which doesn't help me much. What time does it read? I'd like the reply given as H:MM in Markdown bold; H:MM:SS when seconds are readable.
**8:38**
